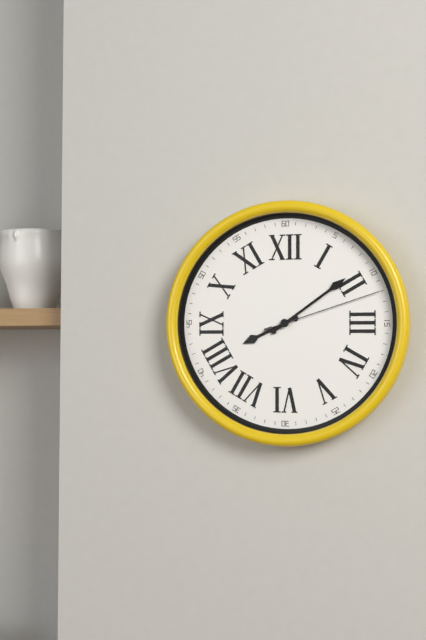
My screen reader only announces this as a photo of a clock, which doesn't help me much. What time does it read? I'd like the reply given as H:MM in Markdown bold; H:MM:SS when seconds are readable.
**8:09:12**
